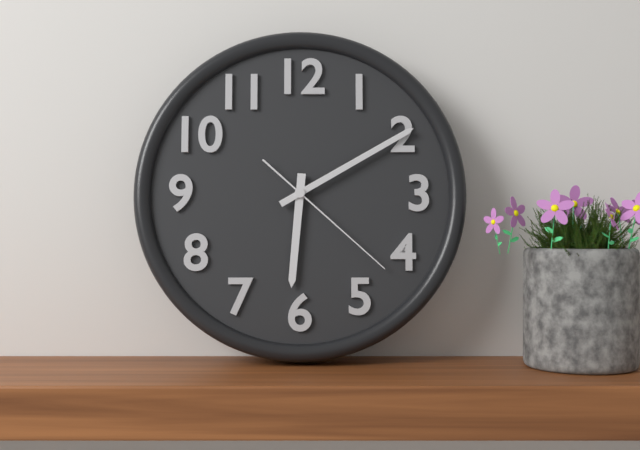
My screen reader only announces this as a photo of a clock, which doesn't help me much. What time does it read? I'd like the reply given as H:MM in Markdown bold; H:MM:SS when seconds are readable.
**6:10:22**
